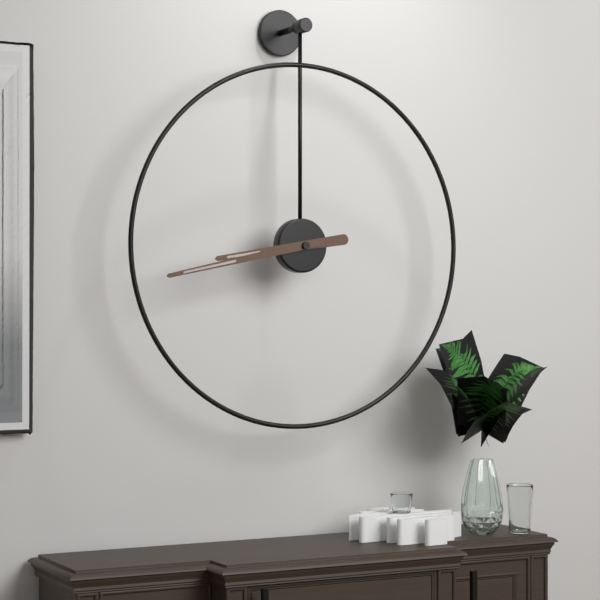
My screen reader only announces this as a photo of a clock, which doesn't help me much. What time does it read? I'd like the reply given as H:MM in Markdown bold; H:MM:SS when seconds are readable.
**8:43**
